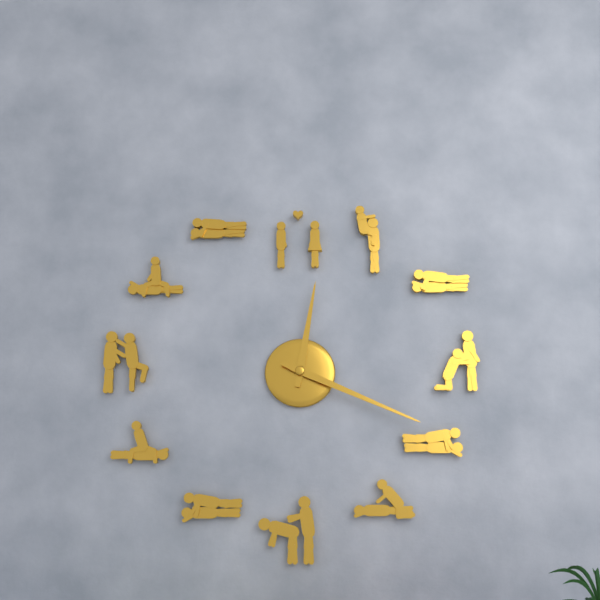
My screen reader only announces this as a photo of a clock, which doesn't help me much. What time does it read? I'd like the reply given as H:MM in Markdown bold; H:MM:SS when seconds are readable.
**12:19**
